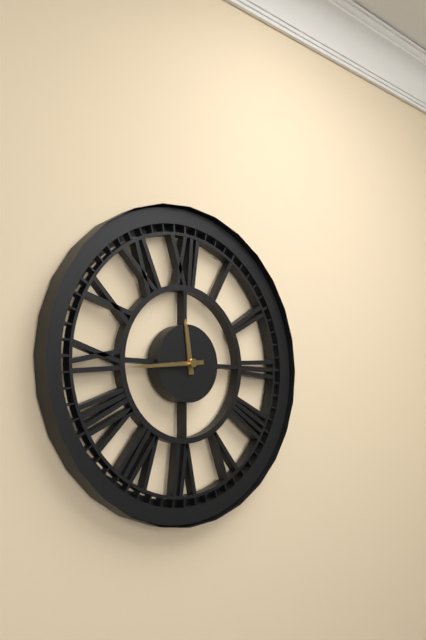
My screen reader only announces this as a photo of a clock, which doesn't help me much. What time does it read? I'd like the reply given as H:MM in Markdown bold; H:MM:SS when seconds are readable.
**11:44**
